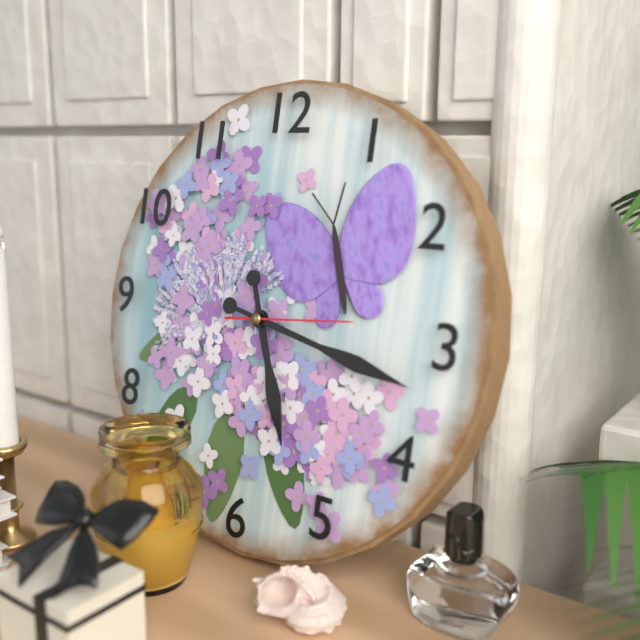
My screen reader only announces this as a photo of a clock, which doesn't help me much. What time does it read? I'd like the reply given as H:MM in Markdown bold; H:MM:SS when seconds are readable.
**5:17:14**
